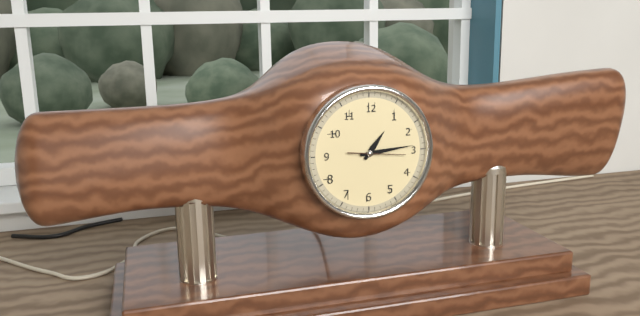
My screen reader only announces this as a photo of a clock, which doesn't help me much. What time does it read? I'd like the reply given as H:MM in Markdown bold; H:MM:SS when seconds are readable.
**1:14**
